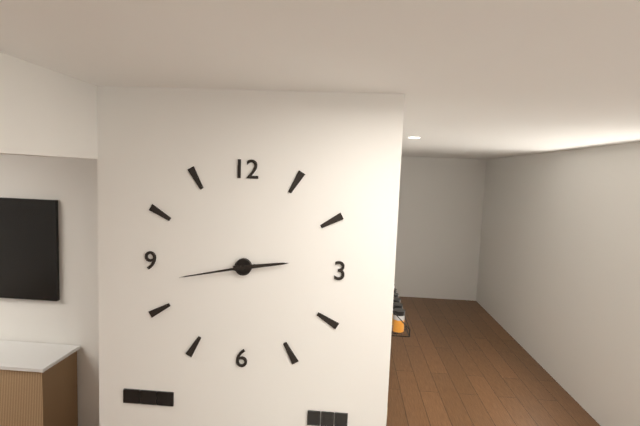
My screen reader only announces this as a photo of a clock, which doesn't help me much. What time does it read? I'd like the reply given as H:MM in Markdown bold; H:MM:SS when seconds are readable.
**2:43**
